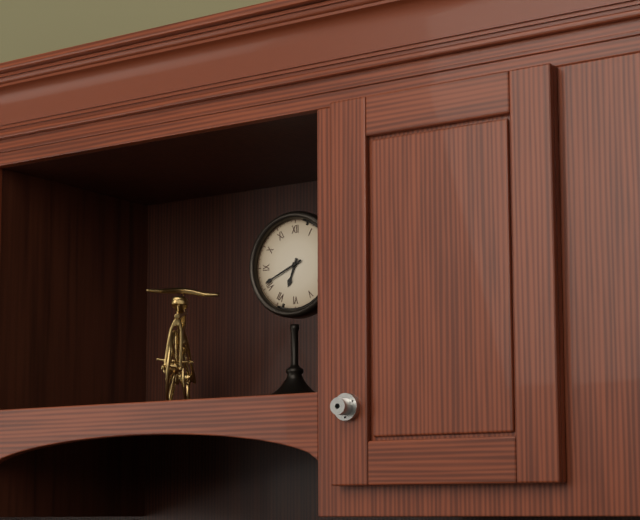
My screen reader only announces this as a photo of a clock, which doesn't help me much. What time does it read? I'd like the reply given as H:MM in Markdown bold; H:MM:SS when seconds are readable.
**6:41**
